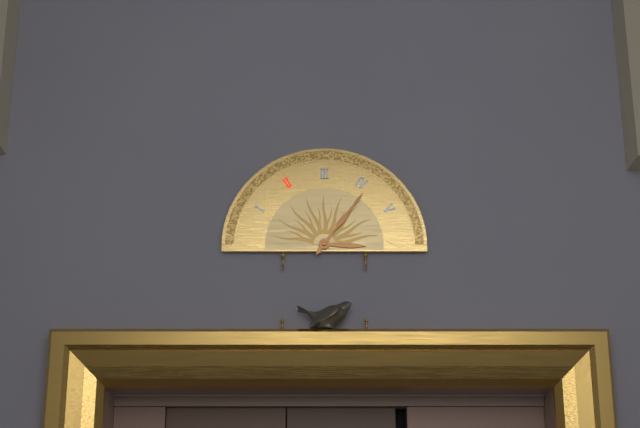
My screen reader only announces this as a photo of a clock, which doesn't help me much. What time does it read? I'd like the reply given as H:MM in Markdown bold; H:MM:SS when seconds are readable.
**3:06**
